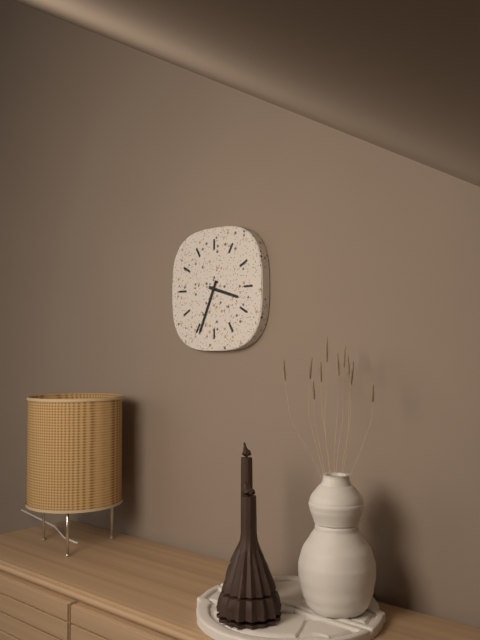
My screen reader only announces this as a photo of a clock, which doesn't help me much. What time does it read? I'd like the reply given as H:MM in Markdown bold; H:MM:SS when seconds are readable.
**3:34**
